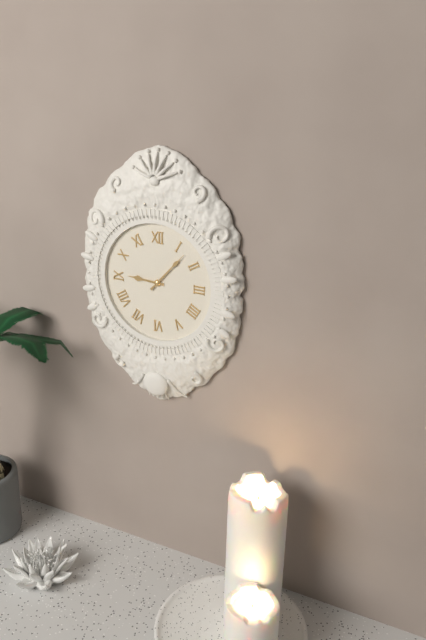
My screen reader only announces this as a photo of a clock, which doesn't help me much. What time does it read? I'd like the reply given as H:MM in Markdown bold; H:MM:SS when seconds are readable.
**9:07**
